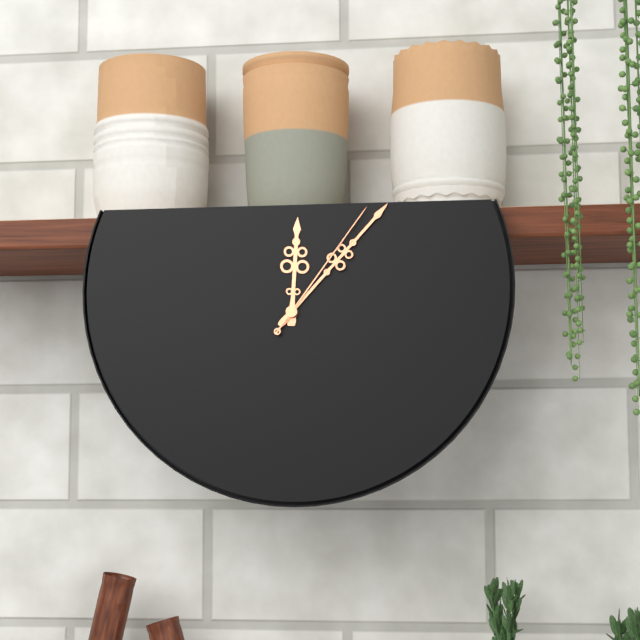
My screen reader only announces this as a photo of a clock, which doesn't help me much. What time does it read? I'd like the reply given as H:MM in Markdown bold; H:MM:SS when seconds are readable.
**12:07:06**
